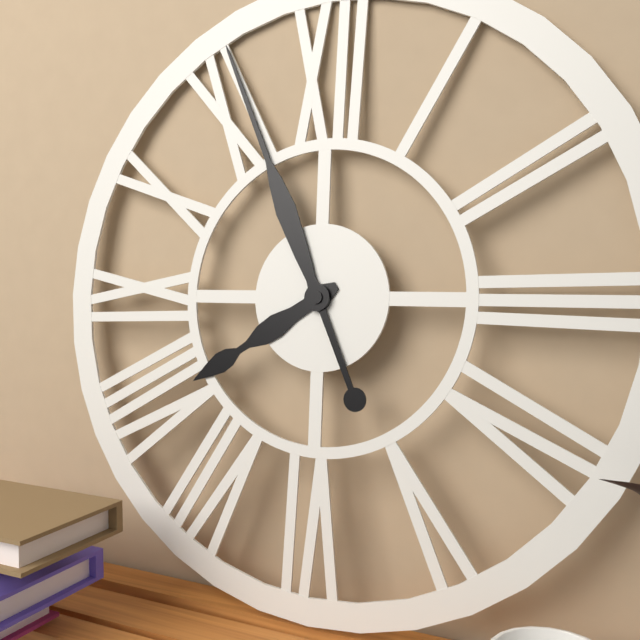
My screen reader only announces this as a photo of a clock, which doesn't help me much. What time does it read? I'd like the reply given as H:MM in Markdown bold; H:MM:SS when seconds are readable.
**7:56**
